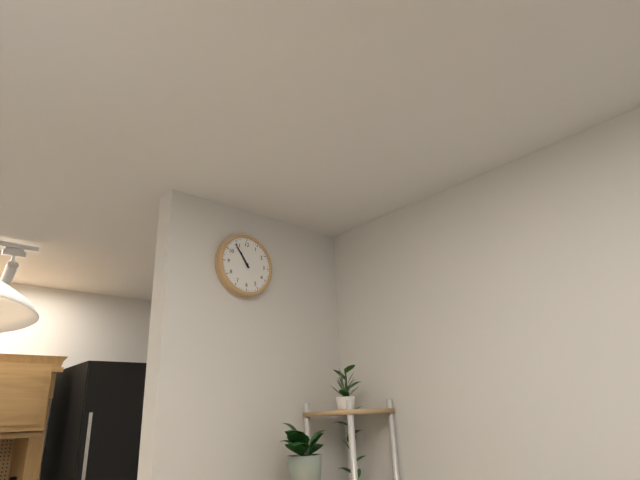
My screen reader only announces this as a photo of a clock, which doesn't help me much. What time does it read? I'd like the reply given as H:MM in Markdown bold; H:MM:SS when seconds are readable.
**10:54**
